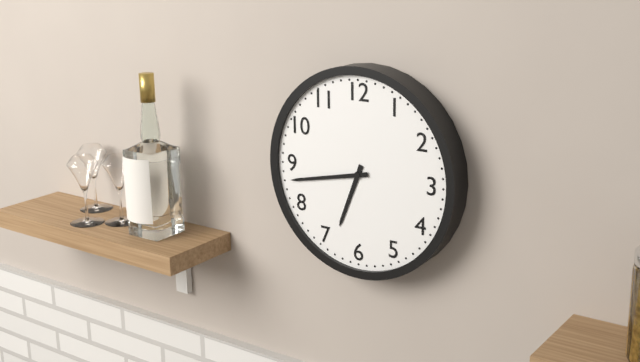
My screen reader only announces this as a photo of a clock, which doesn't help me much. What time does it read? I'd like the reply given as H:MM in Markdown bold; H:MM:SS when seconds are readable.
**6:43**
